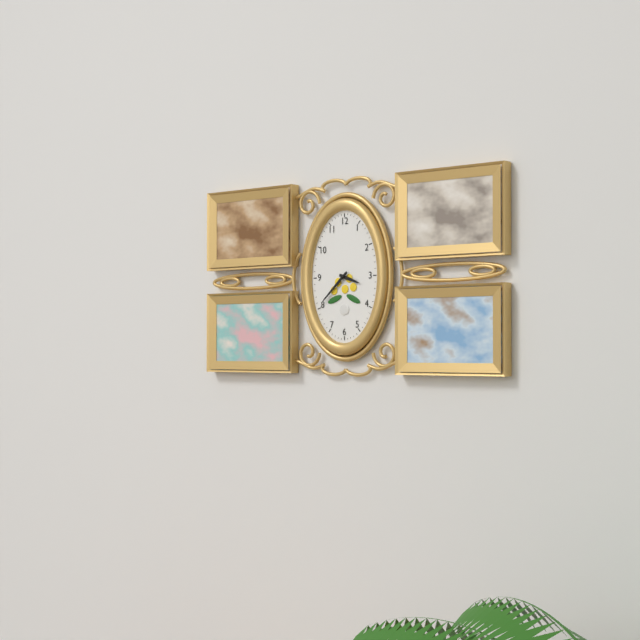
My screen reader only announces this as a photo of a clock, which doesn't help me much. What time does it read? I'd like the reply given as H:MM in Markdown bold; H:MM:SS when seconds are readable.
**3:38**
